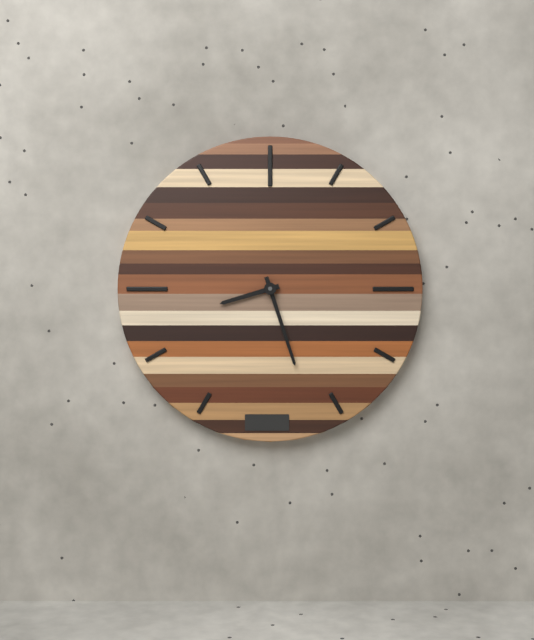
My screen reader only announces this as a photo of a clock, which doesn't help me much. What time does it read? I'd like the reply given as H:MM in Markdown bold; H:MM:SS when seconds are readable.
**8:27**
